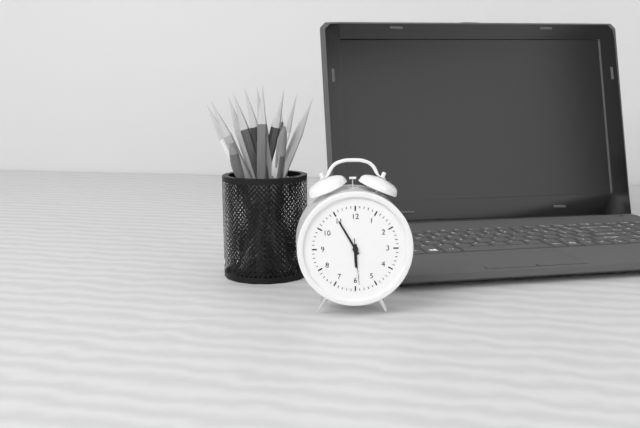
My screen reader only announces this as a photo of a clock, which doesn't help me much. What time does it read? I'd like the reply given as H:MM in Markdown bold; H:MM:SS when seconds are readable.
**5:55**
